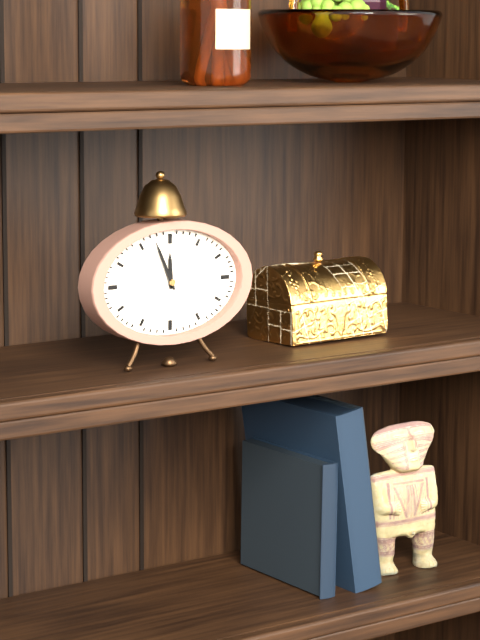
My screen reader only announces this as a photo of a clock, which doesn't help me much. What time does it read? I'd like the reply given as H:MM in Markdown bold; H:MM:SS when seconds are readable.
**11:56**
